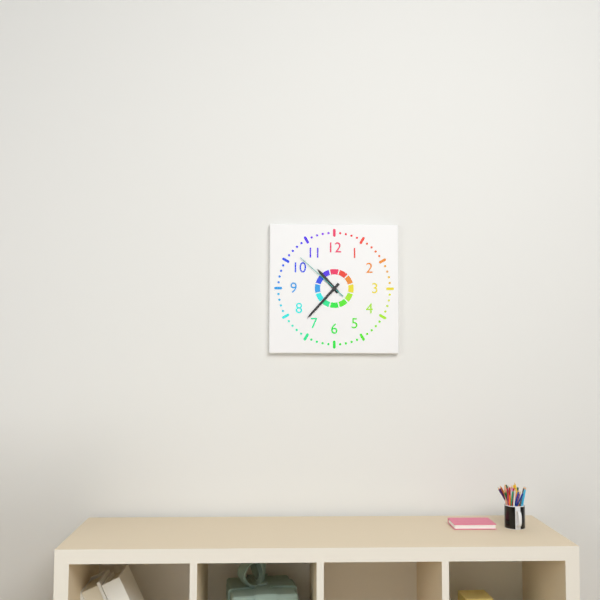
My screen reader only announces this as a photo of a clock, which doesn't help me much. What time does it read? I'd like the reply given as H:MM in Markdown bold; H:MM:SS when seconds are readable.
**10:37:52**
